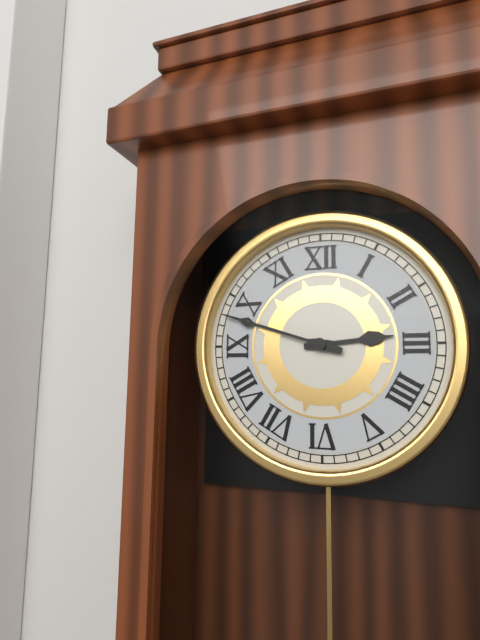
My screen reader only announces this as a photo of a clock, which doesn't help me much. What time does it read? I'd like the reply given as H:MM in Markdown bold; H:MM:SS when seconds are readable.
**2:48**
